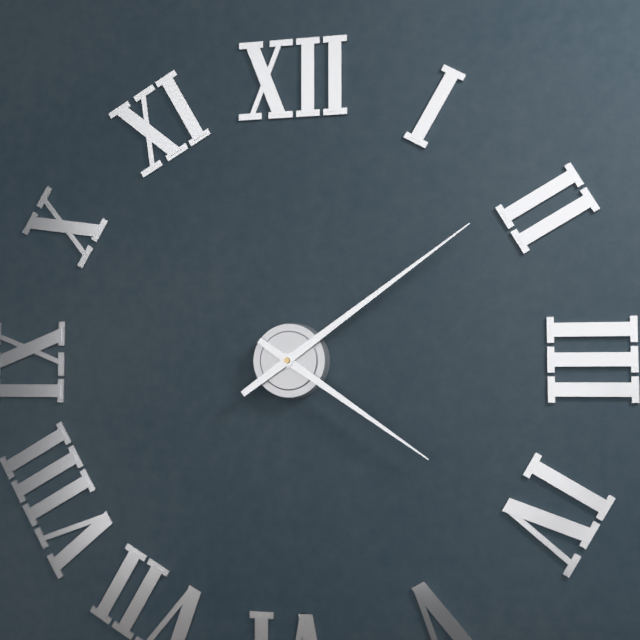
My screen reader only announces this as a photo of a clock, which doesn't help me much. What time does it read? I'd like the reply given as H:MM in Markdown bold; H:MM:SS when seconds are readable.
**4:09**
